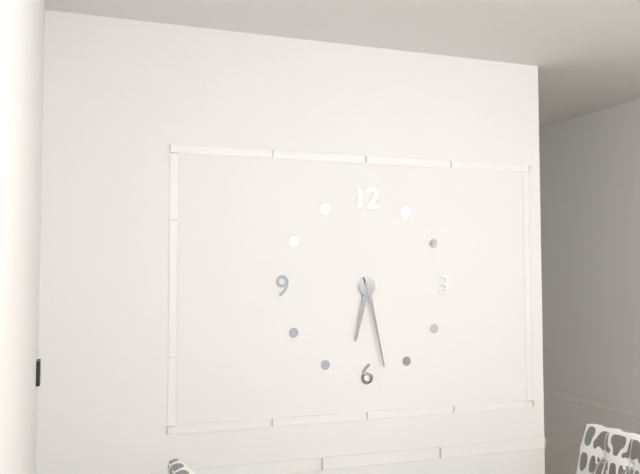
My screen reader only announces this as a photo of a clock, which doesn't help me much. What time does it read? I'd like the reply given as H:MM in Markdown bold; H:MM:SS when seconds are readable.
**6:28**
